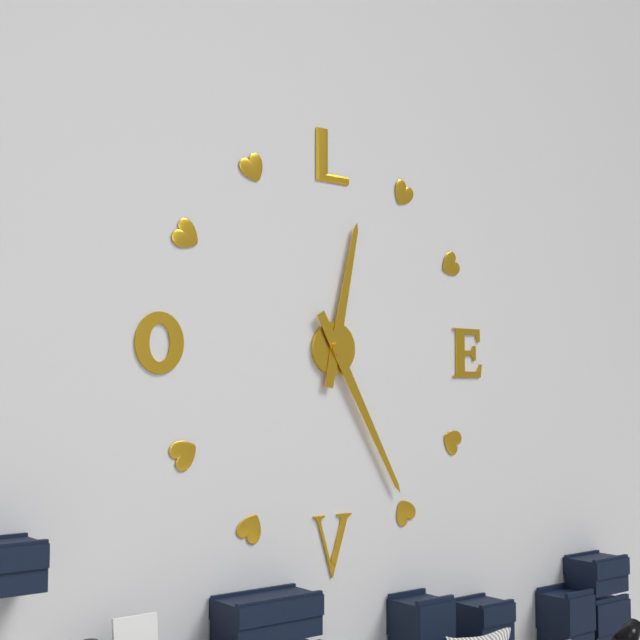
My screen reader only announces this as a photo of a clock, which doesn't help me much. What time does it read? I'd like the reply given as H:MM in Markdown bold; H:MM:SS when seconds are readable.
**12:25**
